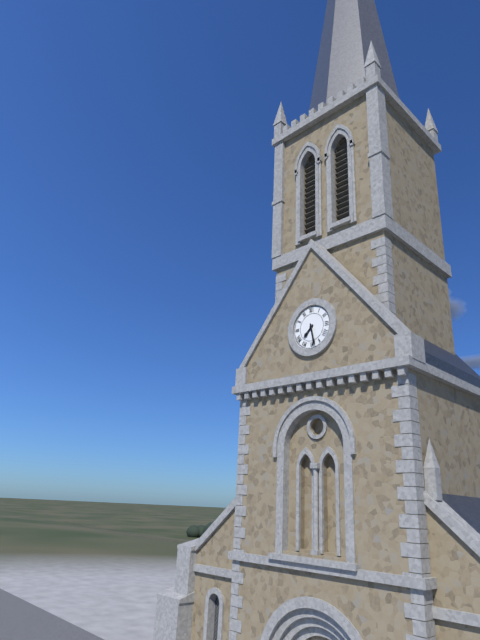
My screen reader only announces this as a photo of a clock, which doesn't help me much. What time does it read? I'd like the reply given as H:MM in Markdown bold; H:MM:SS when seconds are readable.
**7:28**
